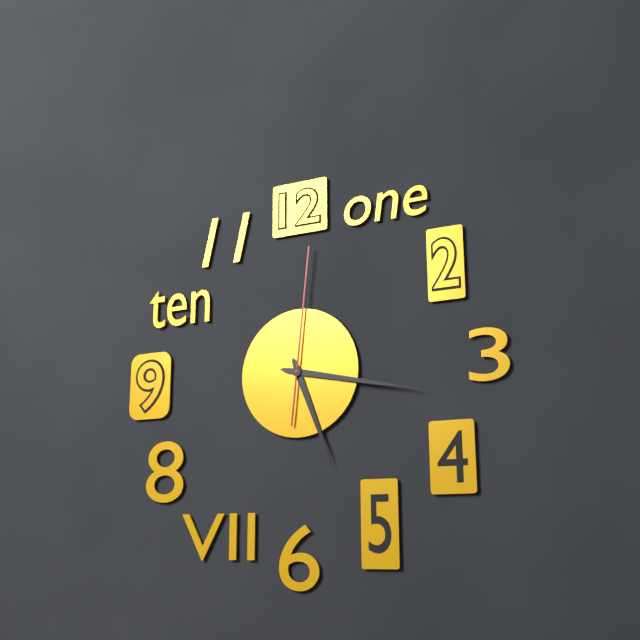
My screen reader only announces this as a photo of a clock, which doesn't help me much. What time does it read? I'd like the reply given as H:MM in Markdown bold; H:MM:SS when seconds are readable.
**5:17:01**
